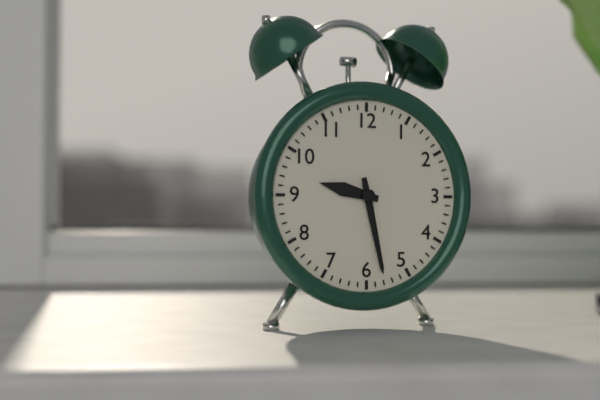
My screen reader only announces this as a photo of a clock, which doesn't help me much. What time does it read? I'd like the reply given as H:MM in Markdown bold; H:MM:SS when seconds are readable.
**9:28**
